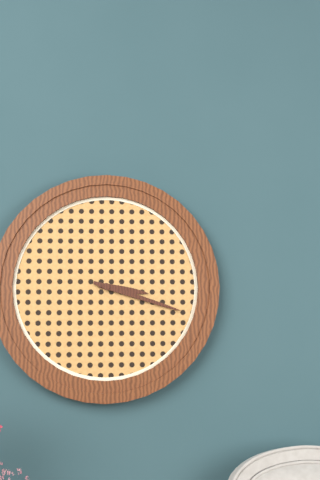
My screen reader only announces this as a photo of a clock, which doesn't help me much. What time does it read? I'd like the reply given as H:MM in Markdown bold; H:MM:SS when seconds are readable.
**3:18**
